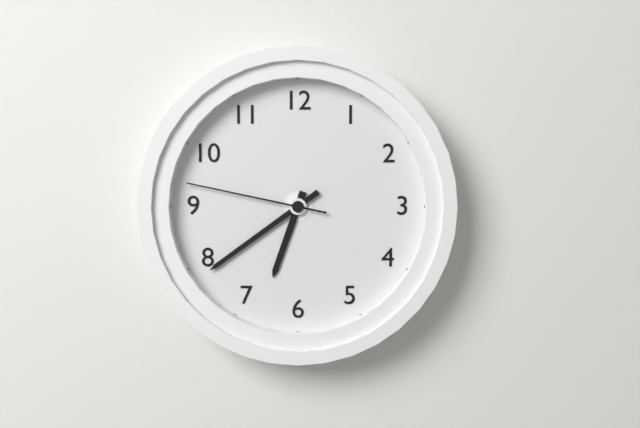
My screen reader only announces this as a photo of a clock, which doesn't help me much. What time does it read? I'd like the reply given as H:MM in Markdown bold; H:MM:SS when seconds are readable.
**6:39:47**
